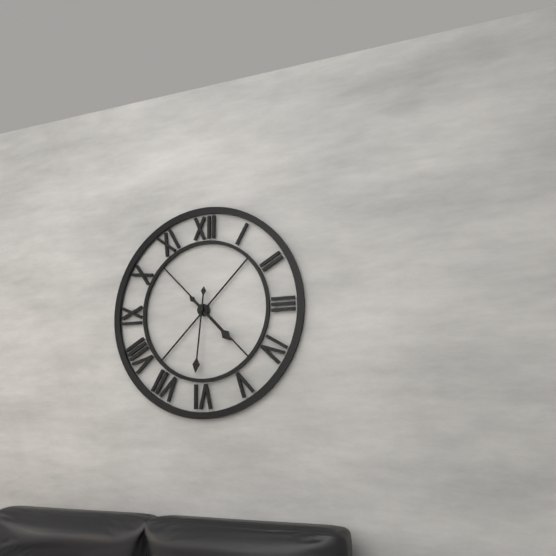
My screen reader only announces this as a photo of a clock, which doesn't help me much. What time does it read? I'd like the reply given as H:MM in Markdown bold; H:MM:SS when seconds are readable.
**4:31**
